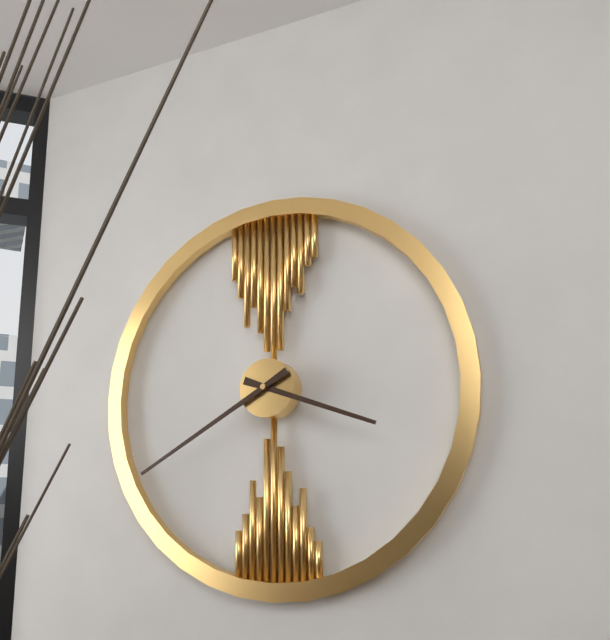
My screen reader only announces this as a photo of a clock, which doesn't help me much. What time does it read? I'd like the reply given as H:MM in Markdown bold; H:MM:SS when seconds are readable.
**3:40**
